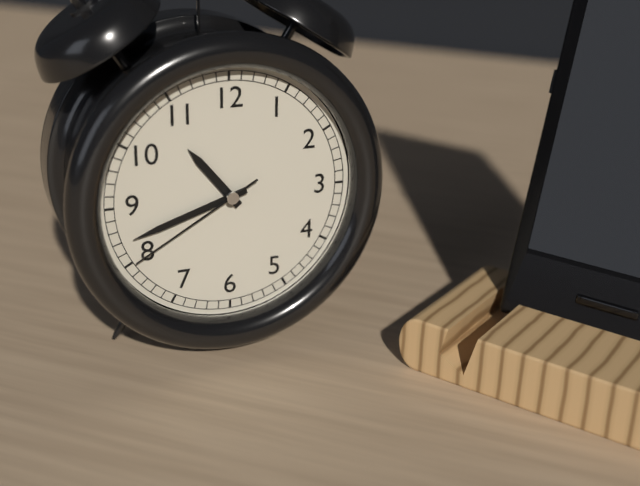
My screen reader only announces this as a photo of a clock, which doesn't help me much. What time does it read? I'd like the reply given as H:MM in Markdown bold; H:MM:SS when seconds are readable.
**10:42:40**
